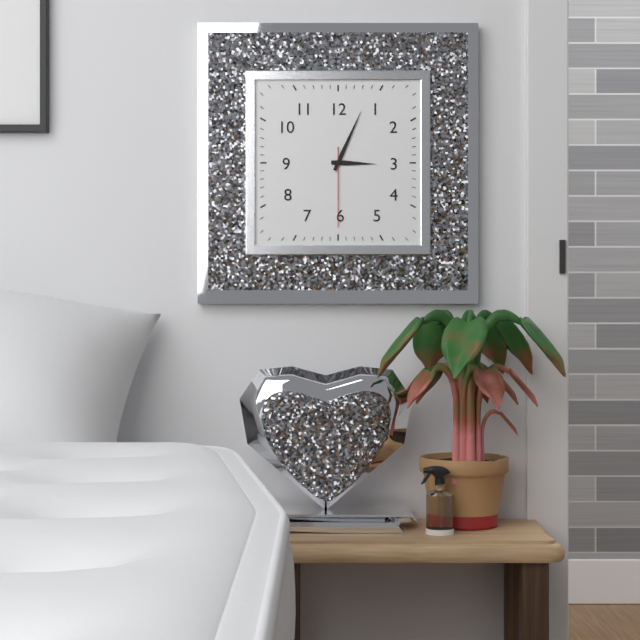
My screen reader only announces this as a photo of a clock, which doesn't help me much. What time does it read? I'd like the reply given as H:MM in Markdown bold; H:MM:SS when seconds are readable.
**3:04:30**
